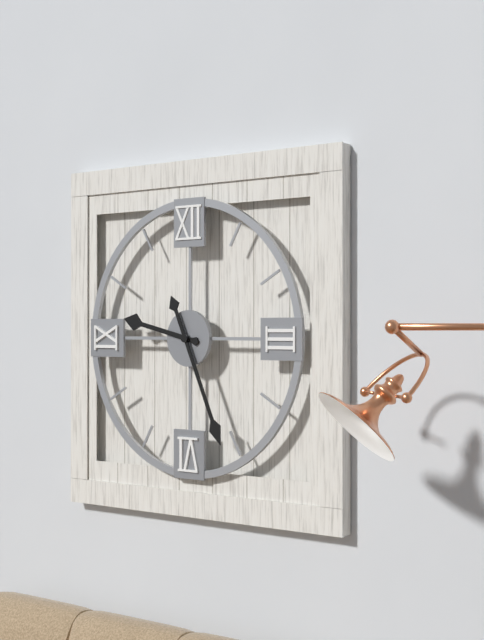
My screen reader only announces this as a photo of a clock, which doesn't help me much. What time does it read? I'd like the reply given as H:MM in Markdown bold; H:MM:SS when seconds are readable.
**9:26**
